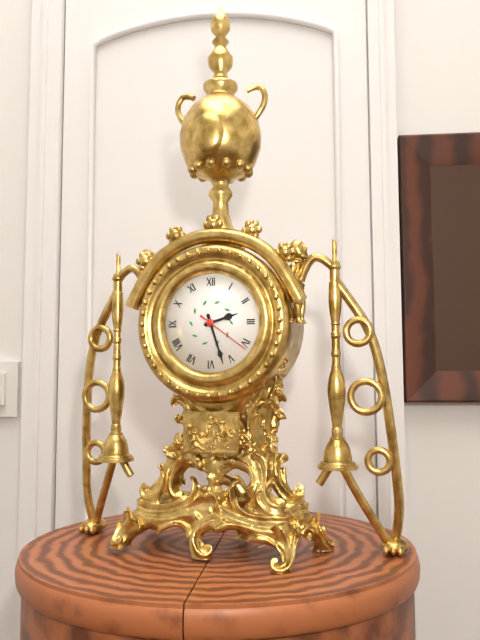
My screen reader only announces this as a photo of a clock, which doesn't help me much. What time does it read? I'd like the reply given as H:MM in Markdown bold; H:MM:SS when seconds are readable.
**2:27:21**
